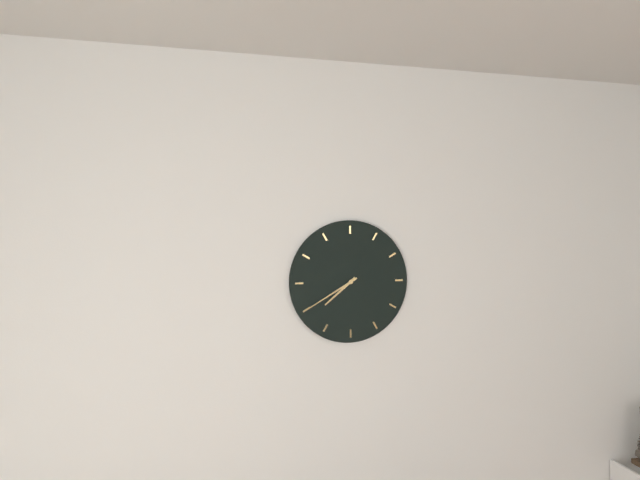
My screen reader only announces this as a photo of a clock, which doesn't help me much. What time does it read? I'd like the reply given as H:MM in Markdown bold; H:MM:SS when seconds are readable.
**7:40**
